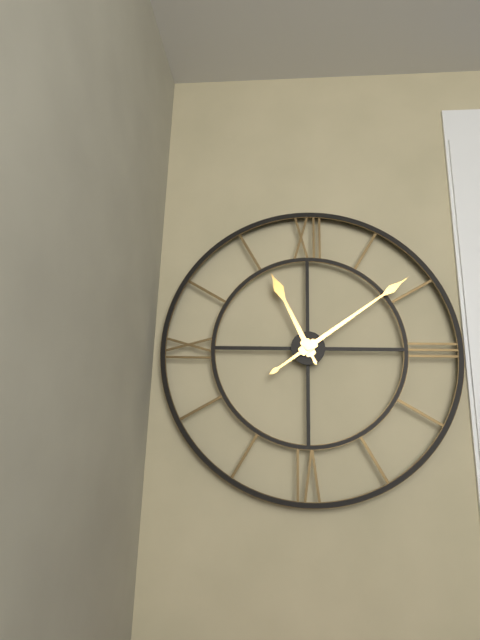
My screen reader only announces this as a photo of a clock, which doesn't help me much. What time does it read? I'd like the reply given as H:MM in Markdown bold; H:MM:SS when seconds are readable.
**11:09**
